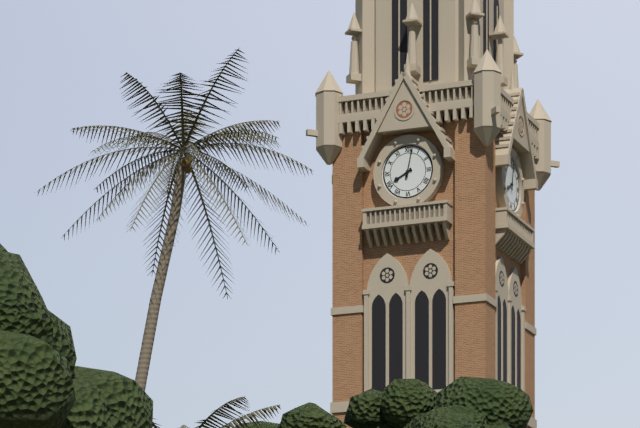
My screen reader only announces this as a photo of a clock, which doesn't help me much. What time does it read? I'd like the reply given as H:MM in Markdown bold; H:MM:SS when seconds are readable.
**8:02**
